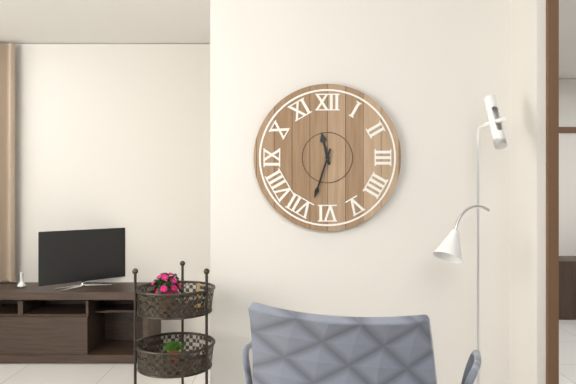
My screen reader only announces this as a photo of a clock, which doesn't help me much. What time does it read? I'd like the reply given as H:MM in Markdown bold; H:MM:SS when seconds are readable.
**11:33**
